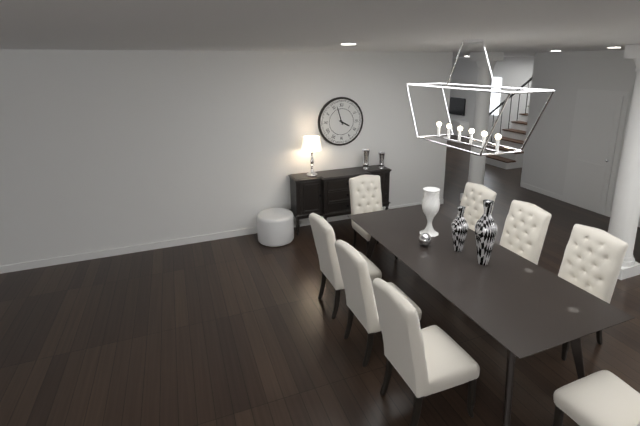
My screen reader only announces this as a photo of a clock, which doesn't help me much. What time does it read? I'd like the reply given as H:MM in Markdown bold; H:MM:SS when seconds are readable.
**3:57**
